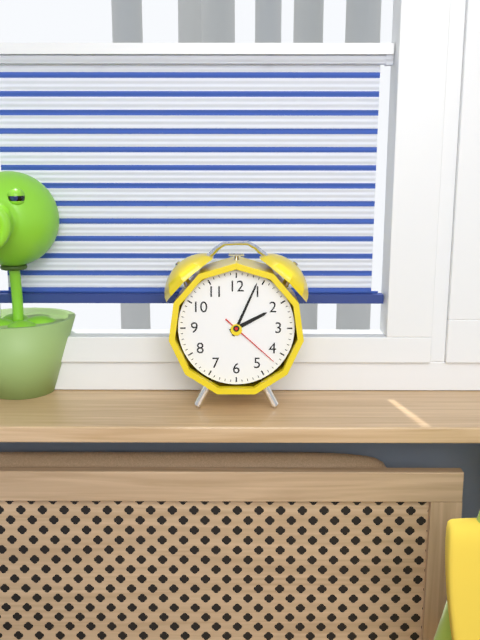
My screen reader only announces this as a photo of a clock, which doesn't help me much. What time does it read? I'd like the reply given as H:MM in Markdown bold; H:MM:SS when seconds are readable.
**2:04:22**
